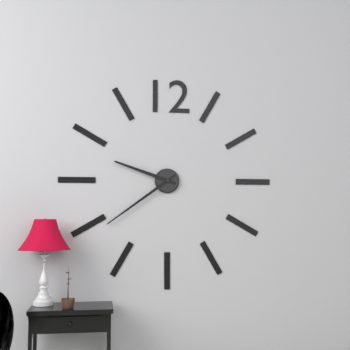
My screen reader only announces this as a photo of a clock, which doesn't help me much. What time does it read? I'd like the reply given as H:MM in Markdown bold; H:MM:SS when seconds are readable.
**9:39**
